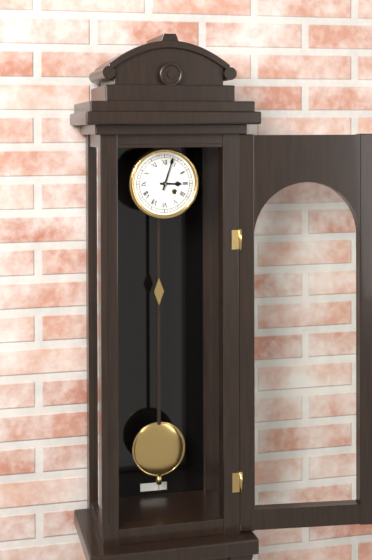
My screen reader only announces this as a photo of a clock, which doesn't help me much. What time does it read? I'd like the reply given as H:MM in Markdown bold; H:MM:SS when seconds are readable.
**3:03**
